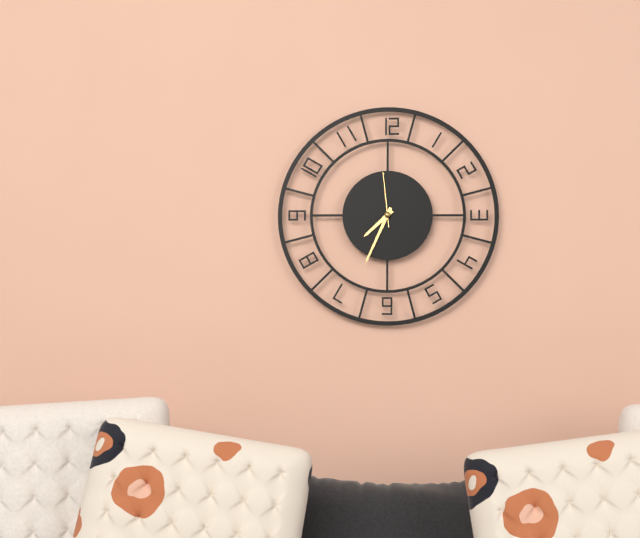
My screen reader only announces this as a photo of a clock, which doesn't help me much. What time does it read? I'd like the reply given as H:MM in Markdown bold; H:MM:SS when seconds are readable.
**7:34:59**
